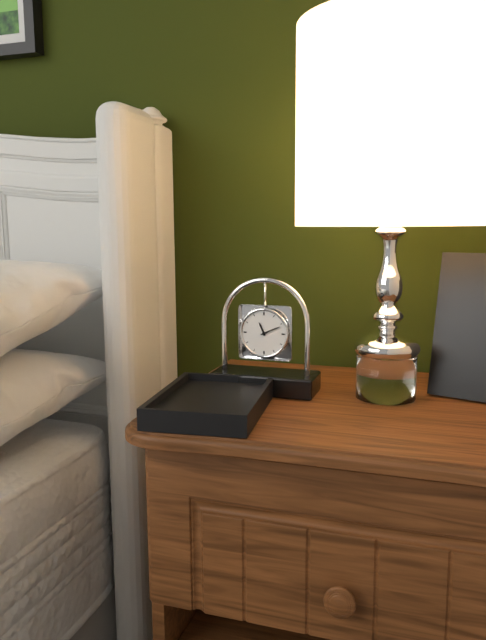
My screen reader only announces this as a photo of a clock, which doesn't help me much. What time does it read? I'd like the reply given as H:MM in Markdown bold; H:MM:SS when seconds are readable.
**11:11**
